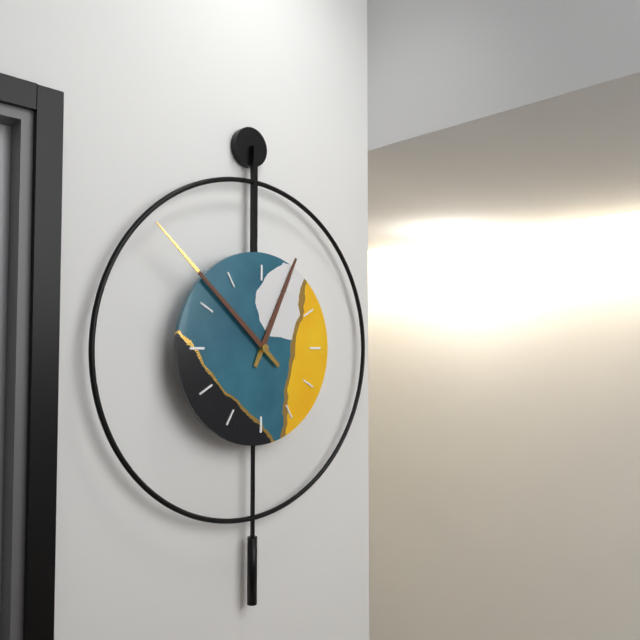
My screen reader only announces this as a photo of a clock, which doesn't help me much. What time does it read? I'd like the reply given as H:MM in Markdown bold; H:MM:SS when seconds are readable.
**12:52**
